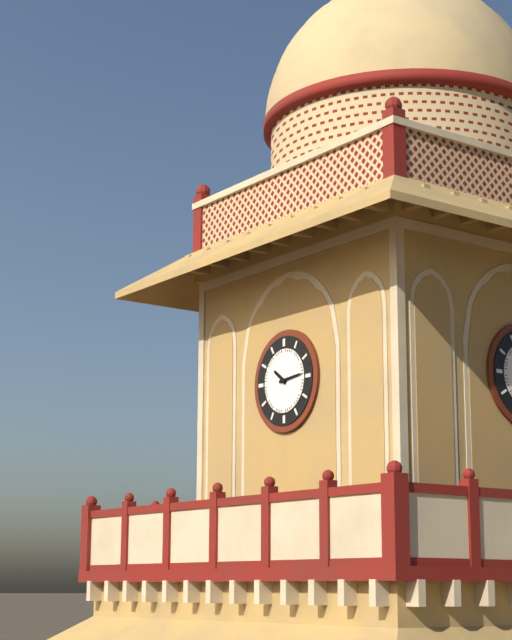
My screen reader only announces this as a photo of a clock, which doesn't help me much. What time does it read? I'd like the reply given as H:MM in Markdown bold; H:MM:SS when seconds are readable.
**10:14**
